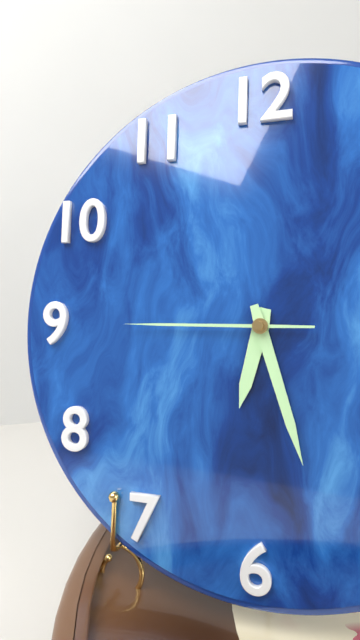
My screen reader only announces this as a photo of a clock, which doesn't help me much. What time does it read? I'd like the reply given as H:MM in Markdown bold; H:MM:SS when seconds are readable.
**6:27:45**
